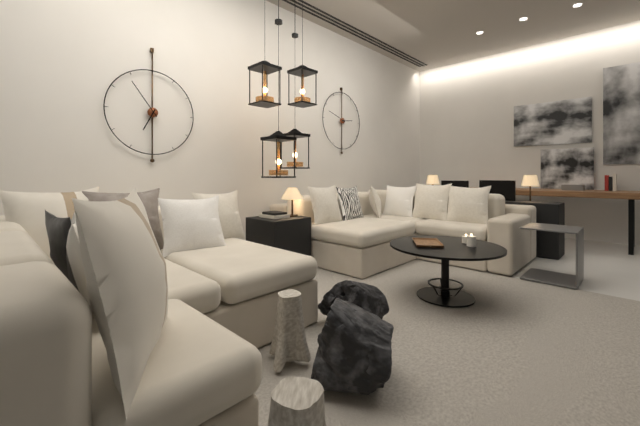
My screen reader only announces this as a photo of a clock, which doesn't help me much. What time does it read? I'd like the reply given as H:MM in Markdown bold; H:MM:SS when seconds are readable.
**6:54**
